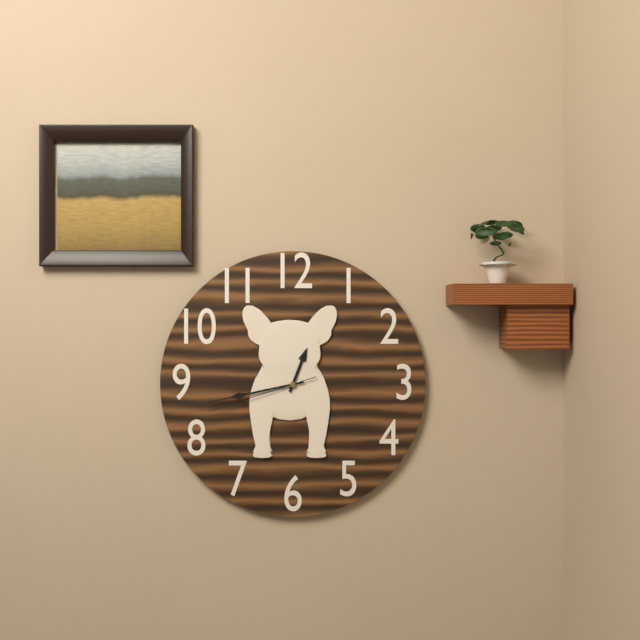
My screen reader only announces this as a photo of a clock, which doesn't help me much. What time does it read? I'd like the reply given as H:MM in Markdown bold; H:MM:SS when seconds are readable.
**12:43:42**
